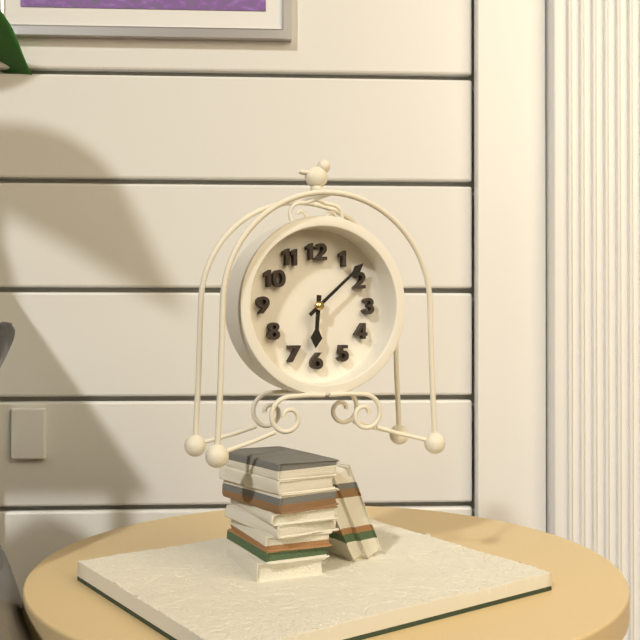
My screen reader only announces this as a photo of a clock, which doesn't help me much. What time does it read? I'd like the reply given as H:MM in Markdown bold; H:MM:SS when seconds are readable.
**6:08**
